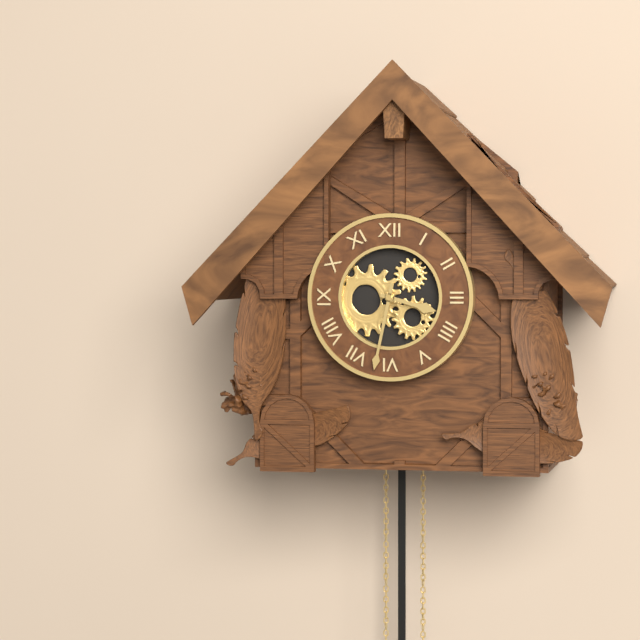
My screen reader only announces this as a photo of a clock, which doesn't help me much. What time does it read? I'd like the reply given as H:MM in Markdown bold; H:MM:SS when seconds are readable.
**3:32**
